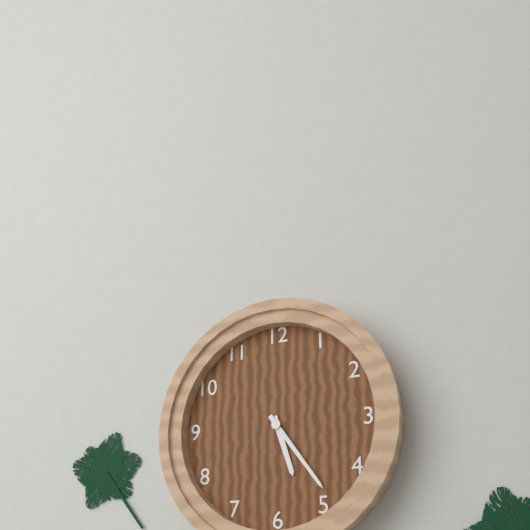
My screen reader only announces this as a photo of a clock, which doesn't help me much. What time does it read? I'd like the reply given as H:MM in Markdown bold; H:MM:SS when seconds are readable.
**5:24**
